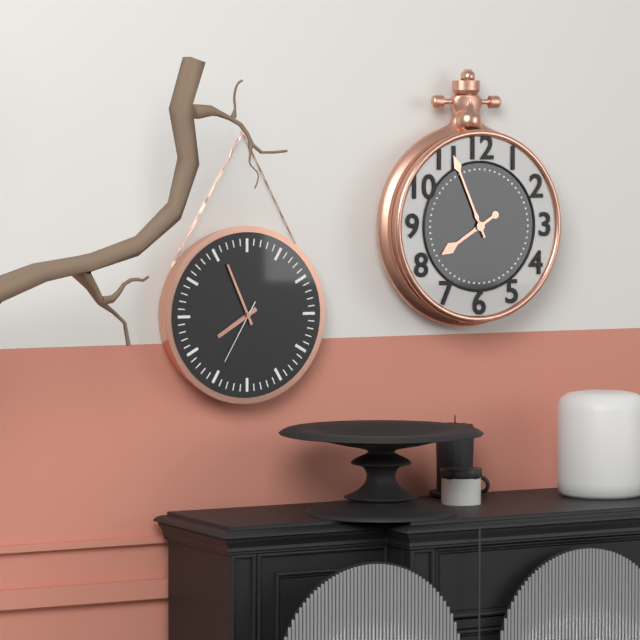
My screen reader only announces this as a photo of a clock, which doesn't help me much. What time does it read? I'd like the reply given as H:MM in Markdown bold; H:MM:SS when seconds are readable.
**7:56:35**
